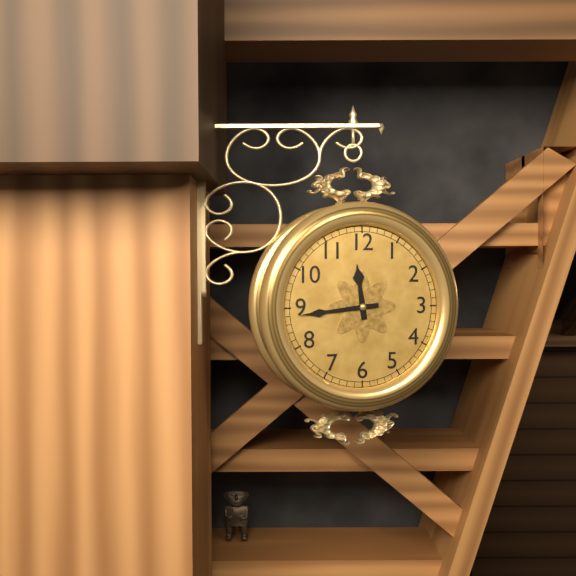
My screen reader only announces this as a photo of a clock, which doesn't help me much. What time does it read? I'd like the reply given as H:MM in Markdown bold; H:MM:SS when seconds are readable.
**11:44**
